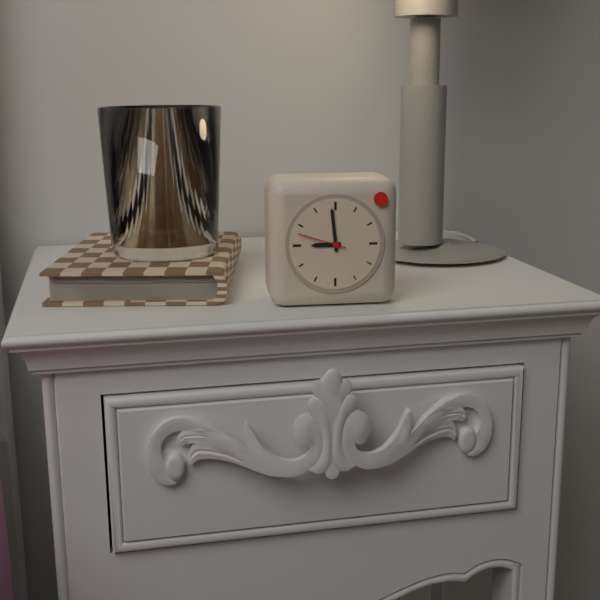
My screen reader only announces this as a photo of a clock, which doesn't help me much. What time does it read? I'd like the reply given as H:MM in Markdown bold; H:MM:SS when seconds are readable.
**8:59**
